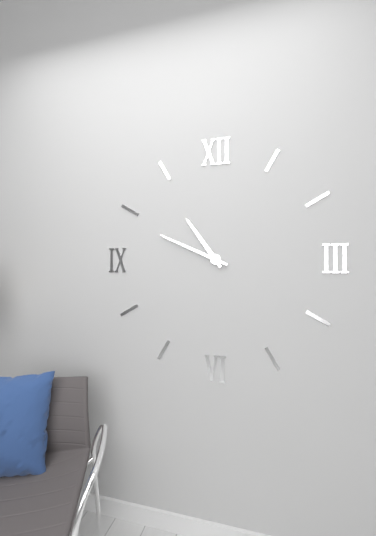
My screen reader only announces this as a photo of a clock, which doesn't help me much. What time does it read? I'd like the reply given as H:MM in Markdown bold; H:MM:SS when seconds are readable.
**10:49**
